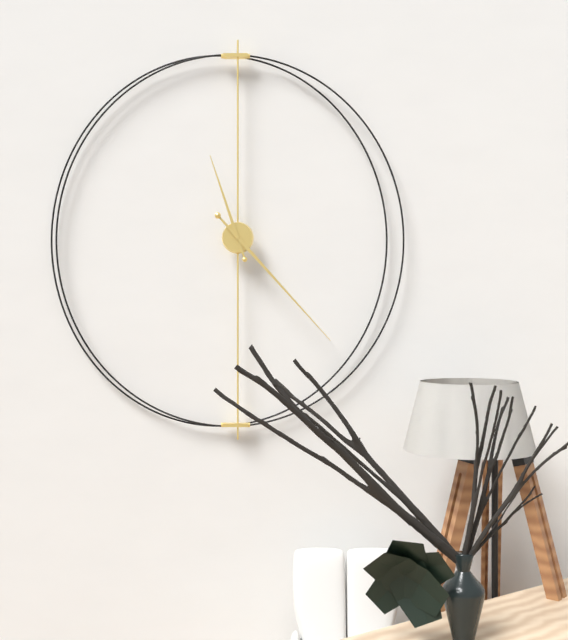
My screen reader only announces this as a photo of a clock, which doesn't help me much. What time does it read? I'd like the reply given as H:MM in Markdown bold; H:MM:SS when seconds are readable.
**11:23**
